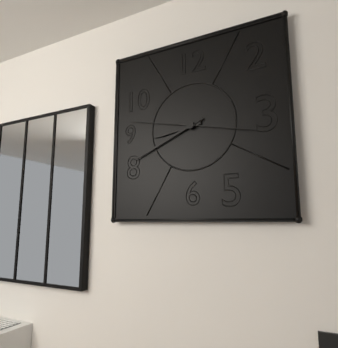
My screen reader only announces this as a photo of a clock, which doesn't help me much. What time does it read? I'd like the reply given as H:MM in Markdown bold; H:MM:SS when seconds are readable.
**8:41:47**
